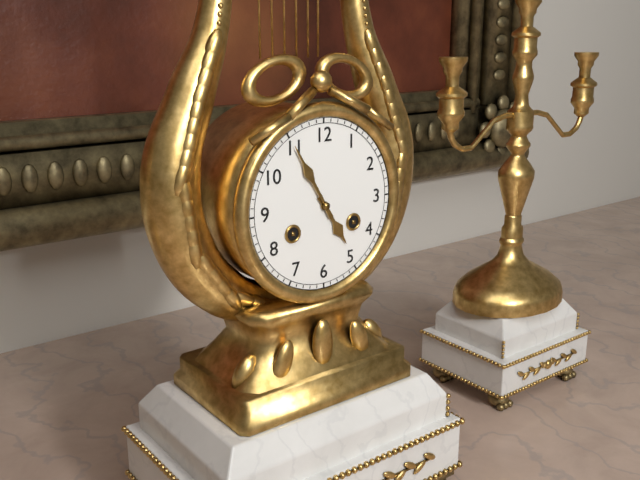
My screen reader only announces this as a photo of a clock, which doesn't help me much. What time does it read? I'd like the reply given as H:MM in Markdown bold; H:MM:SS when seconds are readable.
**4:55**
